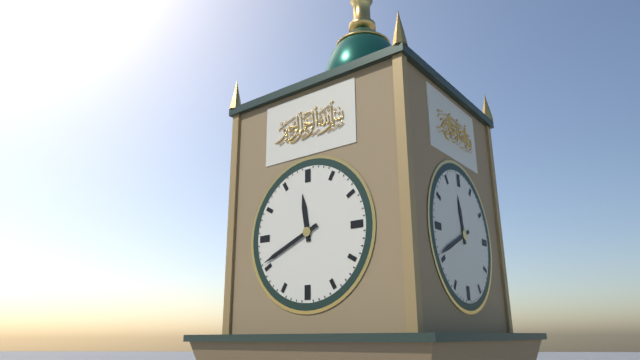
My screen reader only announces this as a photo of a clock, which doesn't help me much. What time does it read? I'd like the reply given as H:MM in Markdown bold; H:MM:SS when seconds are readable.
**11:41**
